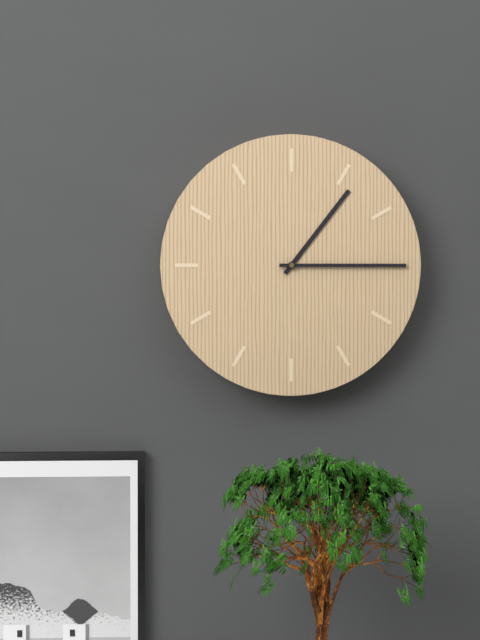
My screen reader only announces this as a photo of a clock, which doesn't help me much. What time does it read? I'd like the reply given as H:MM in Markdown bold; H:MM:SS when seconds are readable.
**1:15**
